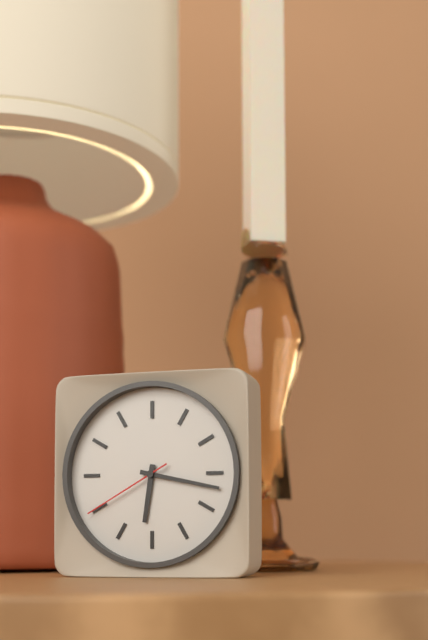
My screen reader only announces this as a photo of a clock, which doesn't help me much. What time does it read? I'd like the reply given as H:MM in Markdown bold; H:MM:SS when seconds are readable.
**6:17:40**
